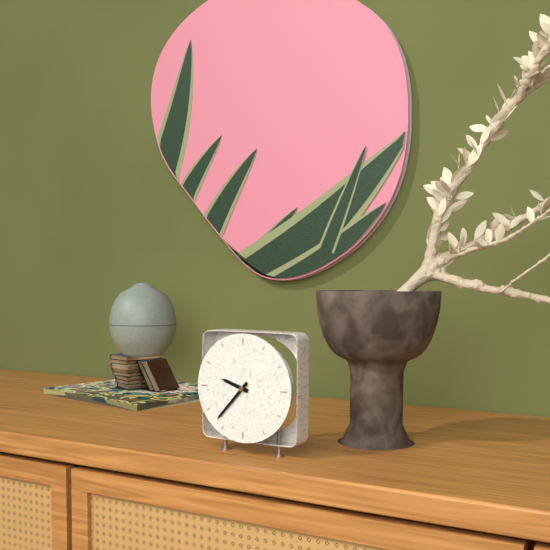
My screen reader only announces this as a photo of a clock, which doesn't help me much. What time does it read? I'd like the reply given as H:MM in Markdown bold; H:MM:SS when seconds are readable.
**9:37**
